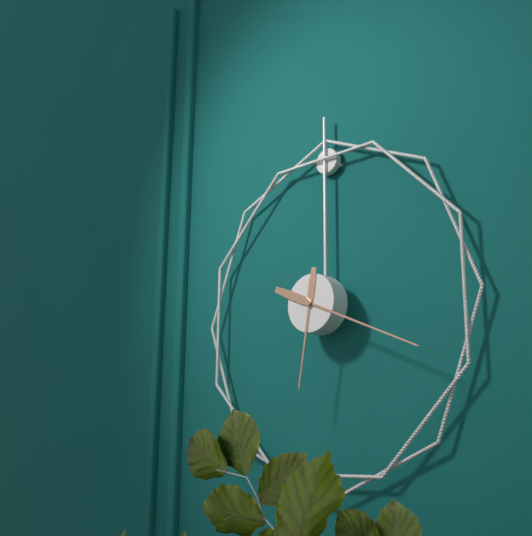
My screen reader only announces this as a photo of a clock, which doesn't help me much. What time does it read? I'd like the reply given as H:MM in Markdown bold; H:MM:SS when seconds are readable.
**6:19**
